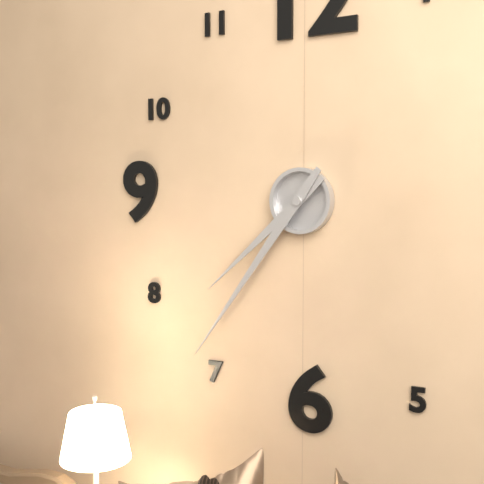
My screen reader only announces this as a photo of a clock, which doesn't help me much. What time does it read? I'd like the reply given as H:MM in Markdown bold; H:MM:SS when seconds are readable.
**7:36**
